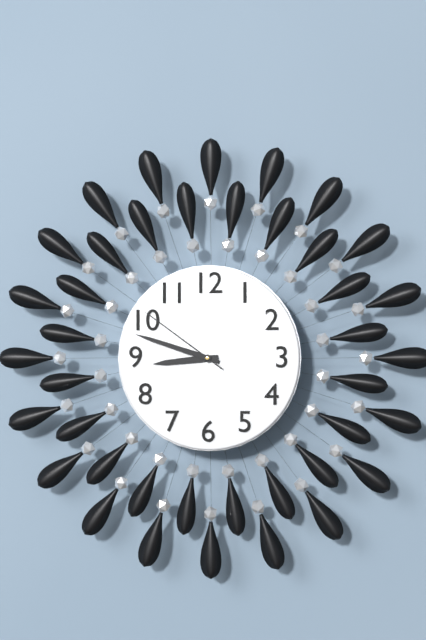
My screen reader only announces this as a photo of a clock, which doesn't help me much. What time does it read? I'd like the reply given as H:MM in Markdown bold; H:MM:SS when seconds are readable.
**8:48:51**
